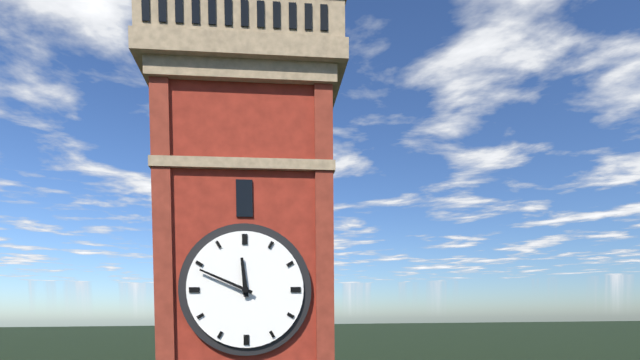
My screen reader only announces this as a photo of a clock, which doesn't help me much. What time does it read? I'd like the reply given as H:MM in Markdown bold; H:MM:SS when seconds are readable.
**11:49**
